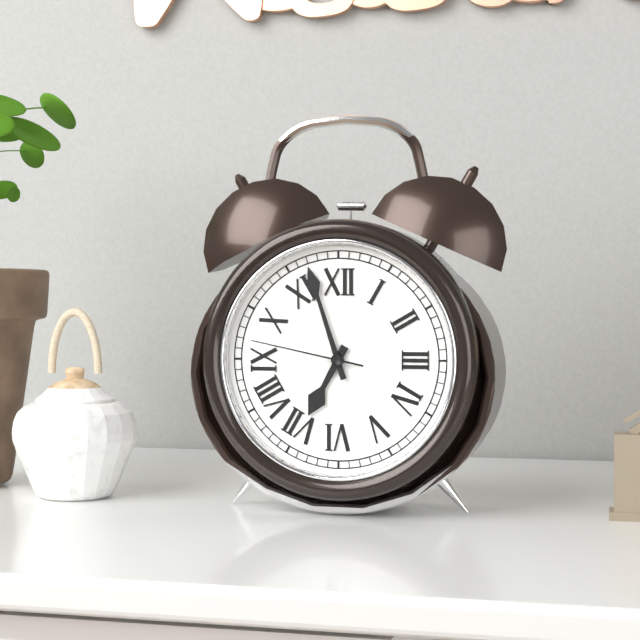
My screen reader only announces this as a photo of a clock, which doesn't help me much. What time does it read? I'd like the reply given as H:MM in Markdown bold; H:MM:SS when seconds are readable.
**6:57:47**
